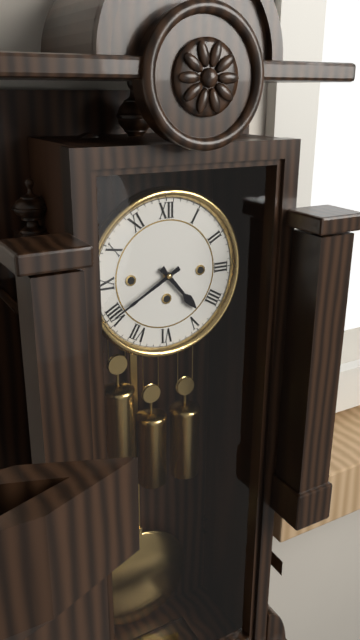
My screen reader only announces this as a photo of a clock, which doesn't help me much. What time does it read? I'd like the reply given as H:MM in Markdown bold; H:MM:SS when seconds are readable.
**4:40**
